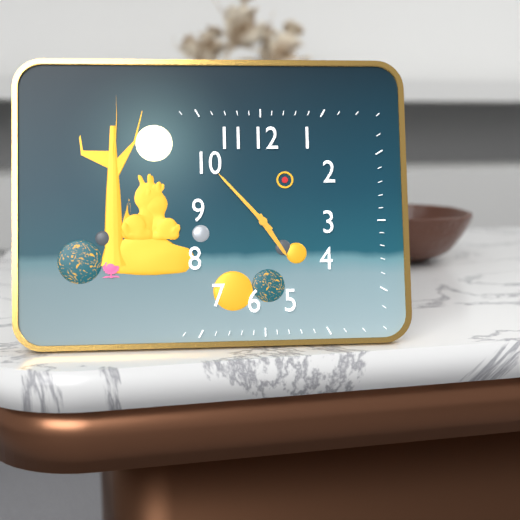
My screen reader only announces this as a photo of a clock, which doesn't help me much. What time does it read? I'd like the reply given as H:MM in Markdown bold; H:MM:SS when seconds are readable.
**4:53**
